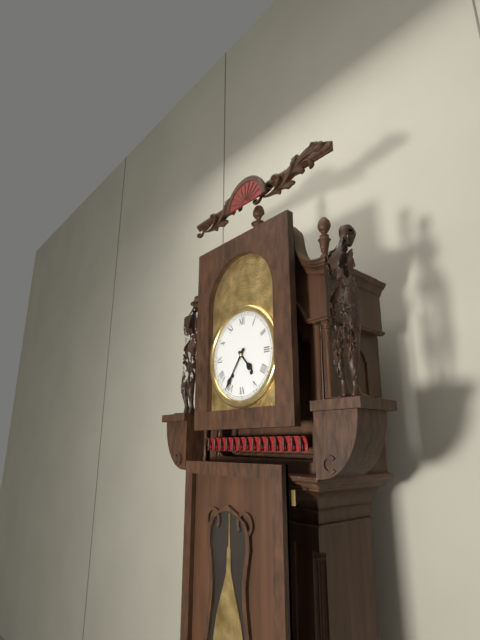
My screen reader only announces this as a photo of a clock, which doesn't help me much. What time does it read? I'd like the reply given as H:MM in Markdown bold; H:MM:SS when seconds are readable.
**4:36**
